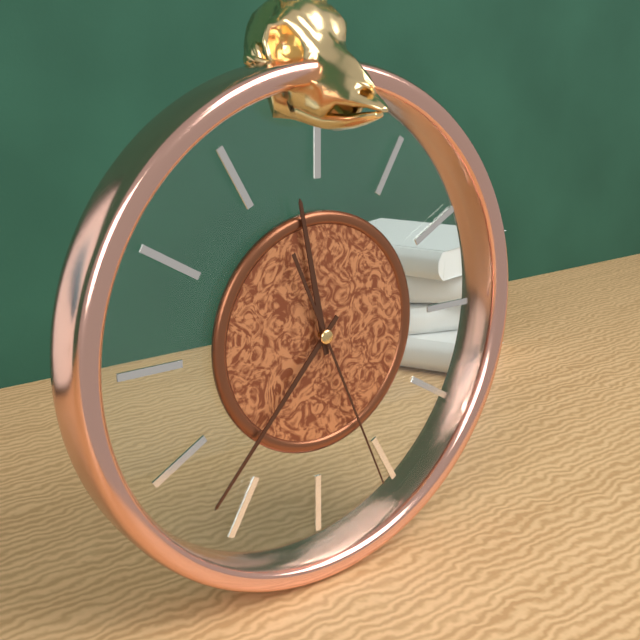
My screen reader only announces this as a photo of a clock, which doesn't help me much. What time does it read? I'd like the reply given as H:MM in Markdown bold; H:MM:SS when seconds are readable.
**11:37:26**
